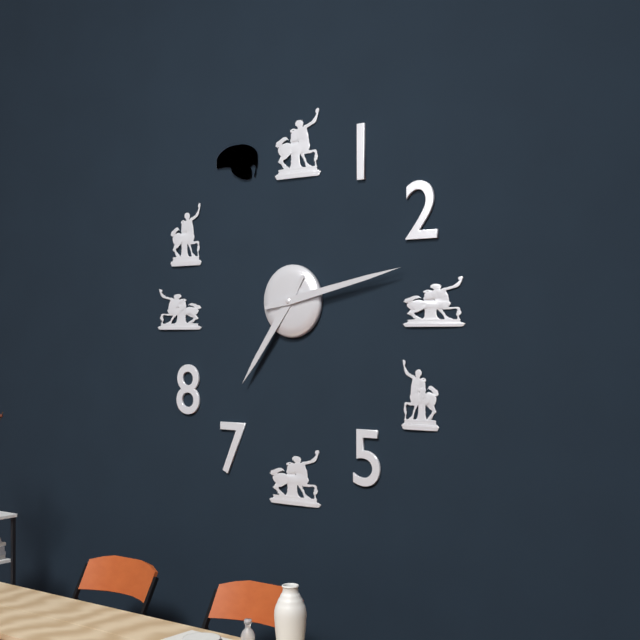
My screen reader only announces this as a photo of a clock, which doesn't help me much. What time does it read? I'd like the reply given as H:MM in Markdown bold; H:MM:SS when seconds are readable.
**7:13**
